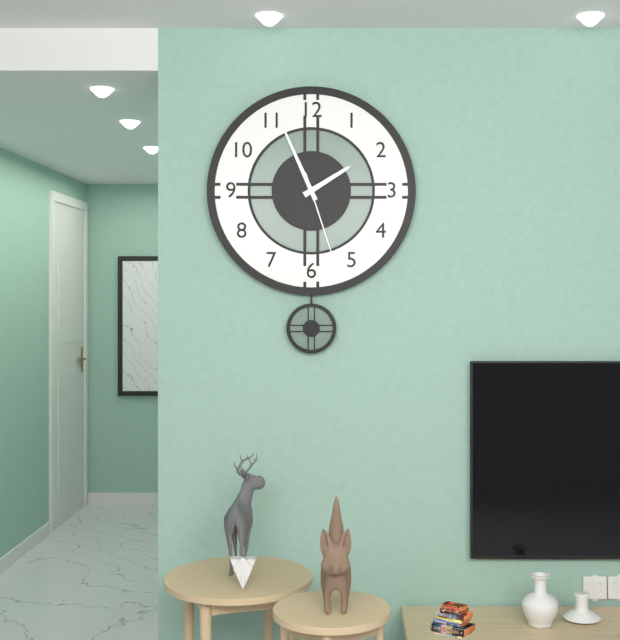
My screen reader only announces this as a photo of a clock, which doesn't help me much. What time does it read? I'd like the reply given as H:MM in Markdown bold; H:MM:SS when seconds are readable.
**1:56:27**
